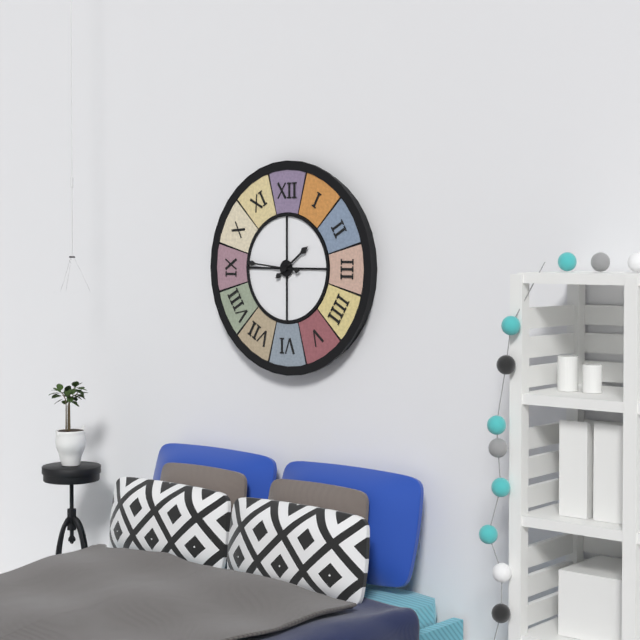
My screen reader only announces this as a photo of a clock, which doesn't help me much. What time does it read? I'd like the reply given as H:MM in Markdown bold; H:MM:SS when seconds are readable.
**1:46**
